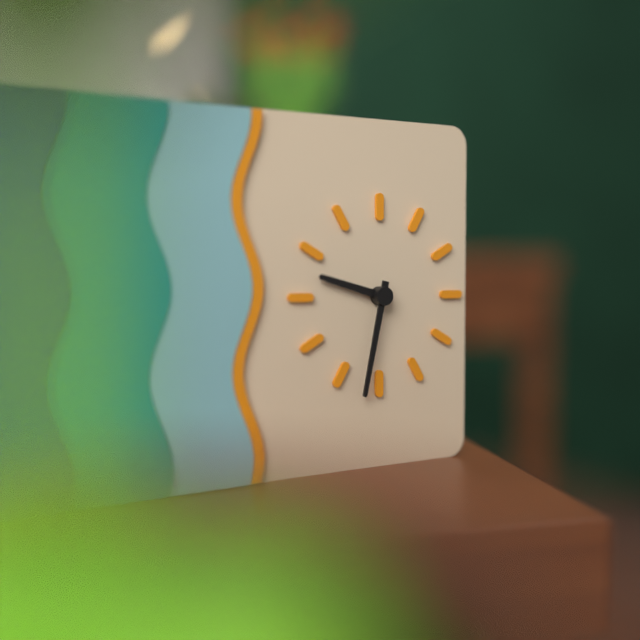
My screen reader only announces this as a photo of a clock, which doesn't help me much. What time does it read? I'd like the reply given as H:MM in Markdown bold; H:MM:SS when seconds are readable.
**9:32**
